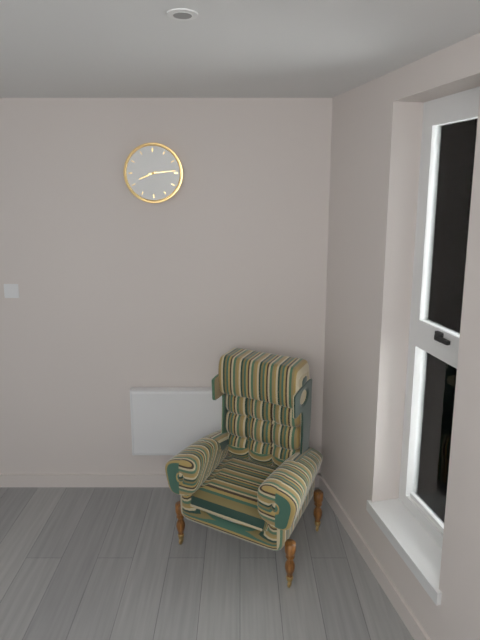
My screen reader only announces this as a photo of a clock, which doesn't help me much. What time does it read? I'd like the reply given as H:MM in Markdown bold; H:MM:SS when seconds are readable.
**8:14**
